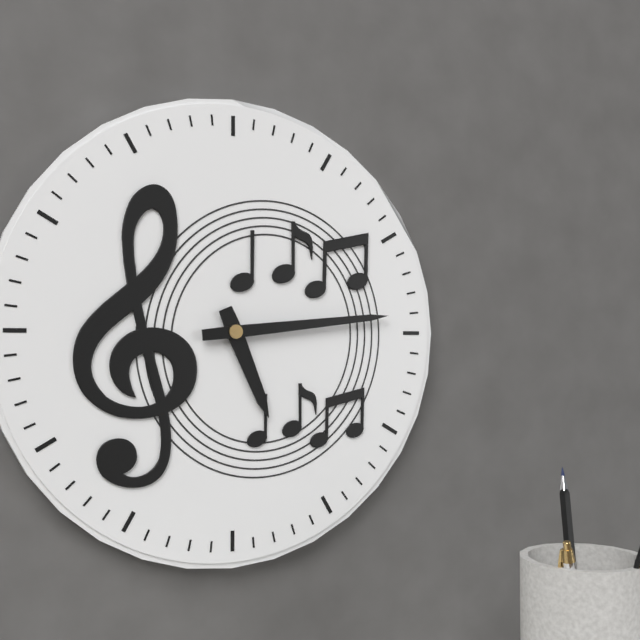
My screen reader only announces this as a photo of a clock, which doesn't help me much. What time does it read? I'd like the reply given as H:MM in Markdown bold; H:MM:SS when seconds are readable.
**5:14**
